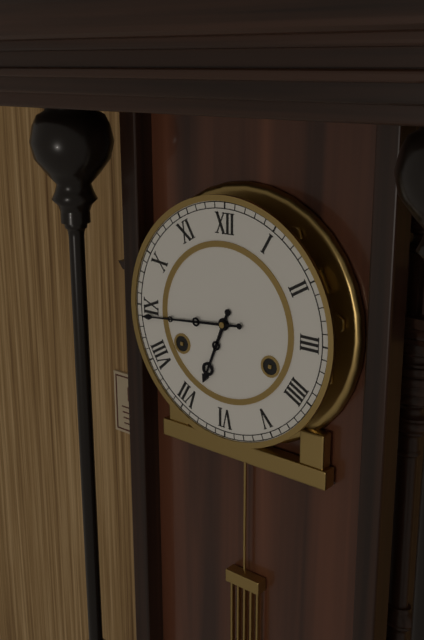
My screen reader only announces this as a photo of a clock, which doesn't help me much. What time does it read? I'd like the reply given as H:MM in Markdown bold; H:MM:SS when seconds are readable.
**6:44**
